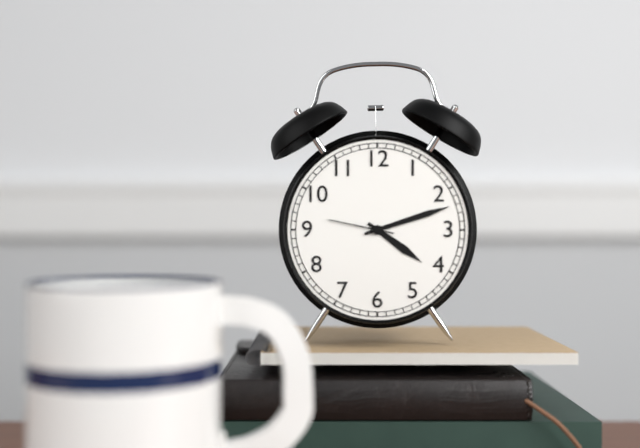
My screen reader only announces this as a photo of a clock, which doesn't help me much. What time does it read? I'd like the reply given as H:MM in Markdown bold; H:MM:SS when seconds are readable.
**4:12:47**
